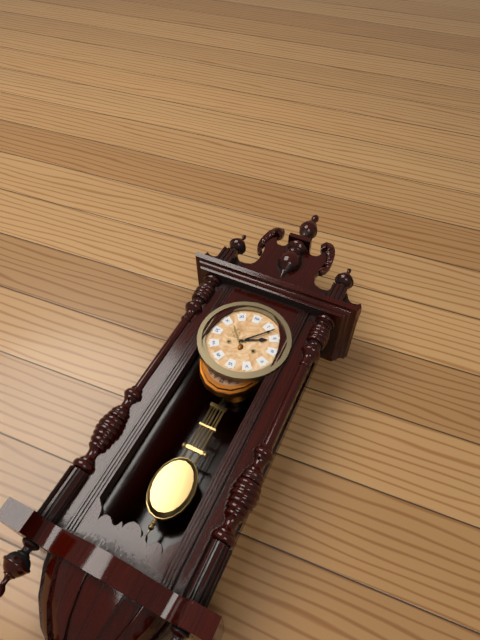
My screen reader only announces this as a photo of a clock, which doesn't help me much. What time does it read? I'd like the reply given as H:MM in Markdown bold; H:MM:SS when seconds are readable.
**2:07**
